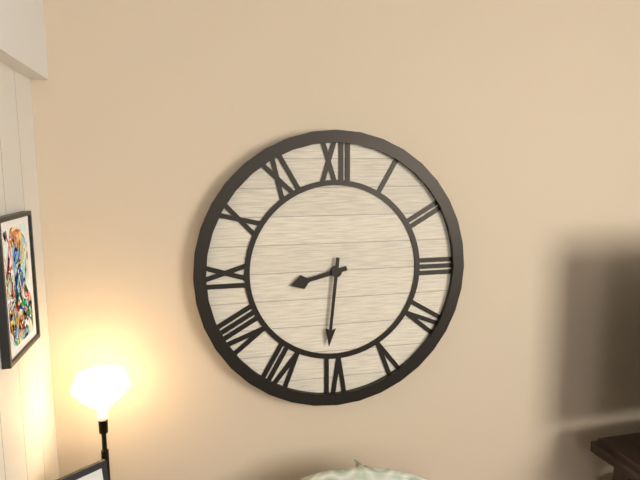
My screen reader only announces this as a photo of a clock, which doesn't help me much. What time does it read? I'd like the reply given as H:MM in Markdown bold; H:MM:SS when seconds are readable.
**8:31**
